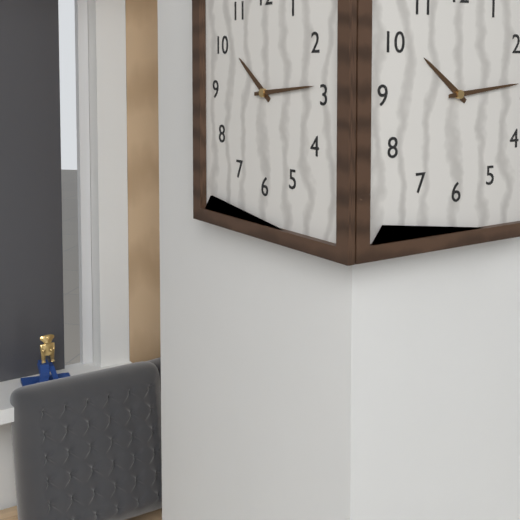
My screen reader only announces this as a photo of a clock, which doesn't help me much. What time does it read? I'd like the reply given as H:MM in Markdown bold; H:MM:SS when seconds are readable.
**10:14**
